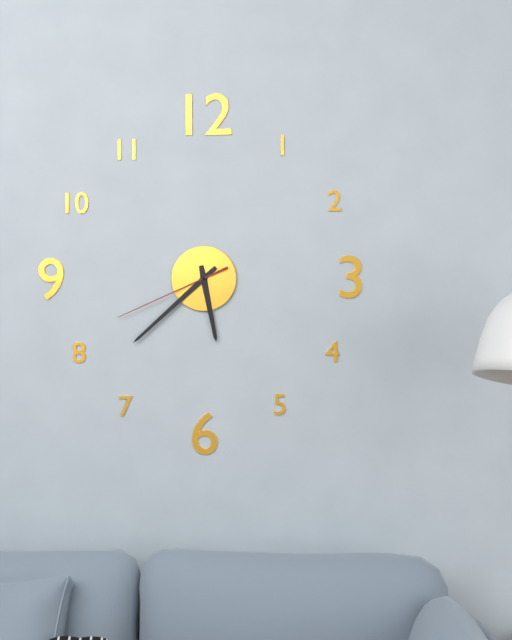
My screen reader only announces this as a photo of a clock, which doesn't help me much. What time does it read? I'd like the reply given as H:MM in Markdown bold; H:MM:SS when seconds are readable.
**5:38:41**
